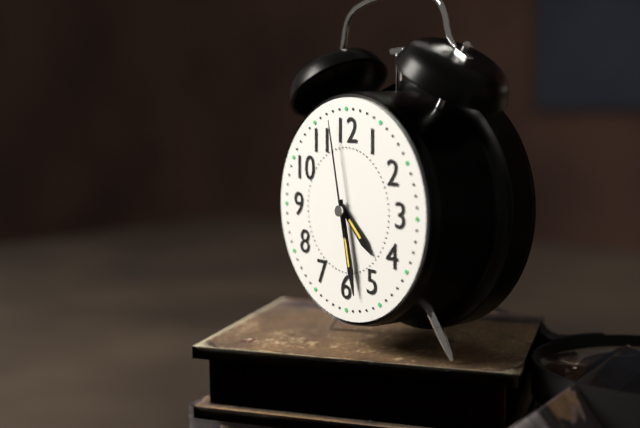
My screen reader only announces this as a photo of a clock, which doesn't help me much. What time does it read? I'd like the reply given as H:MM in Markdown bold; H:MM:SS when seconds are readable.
**4:28:58**
